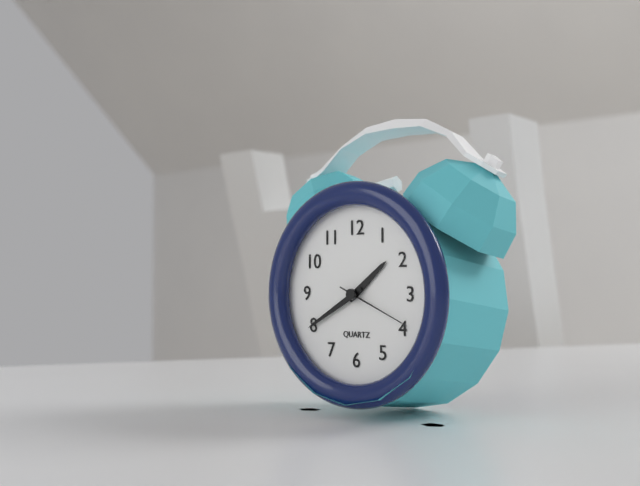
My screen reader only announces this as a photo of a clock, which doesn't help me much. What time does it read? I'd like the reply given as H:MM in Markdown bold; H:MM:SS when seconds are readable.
**1:40:19**
